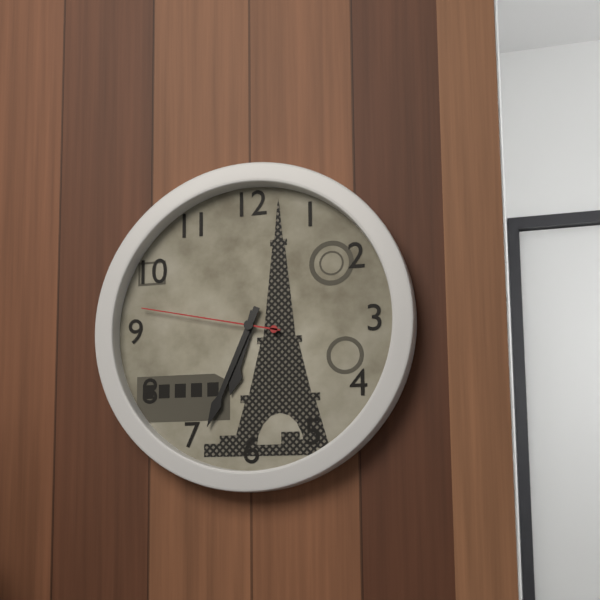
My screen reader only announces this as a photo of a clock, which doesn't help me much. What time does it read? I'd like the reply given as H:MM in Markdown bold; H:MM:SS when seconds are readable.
**6:34:47**
